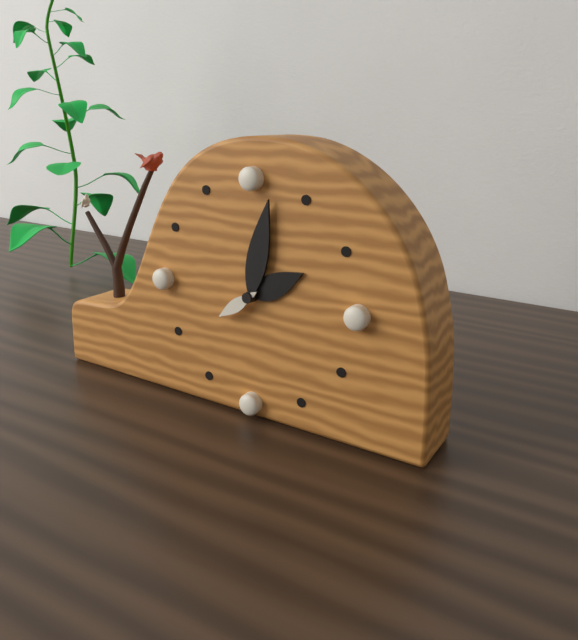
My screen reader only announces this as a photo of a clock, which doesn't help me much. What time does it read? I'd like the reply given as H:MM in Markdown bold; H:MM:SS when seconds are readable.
**2:02**
